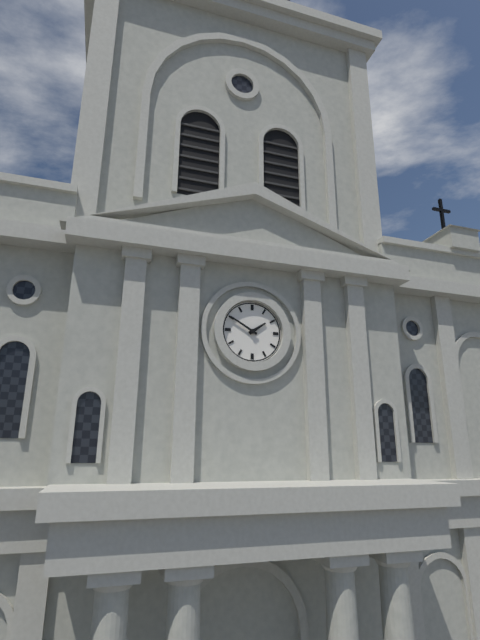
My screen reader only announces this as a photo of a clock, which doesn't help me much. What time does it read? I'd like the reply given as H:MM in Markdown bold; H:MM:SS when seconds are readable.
**1:50**
